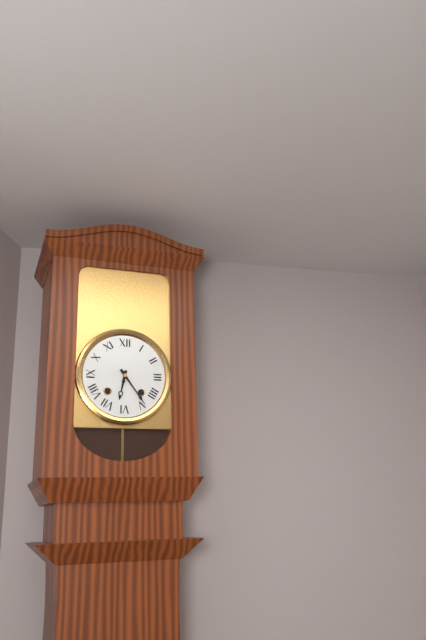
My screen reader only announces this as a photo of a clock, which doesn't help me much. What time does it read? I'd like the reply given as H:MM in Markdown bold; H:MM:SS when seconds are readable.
**6:24**
